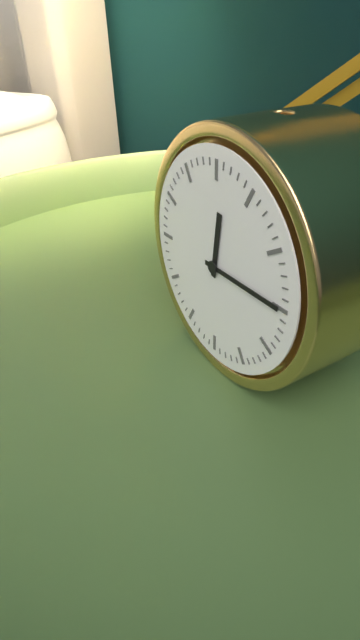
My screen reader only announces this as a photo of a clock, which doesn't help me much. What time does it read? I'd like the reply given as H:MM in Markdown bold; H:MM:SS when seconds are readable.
**12:15**
